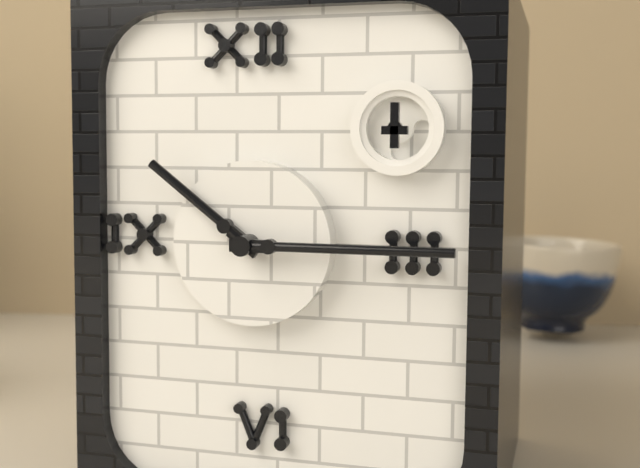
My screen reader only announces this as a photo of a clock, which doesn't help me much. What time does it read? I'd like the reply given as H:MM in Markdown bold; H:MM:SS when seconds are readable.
**10:15**
